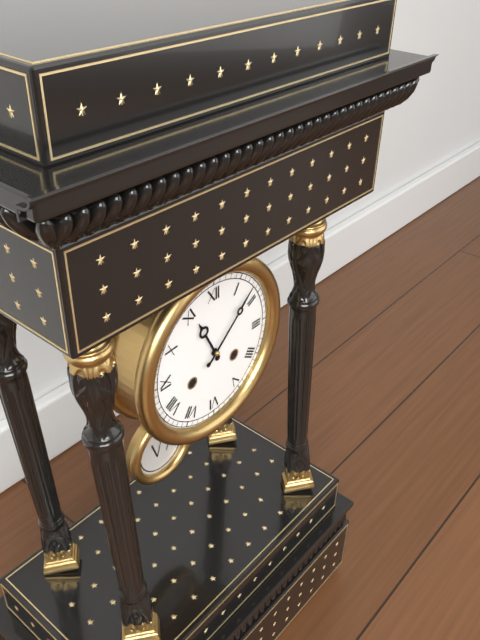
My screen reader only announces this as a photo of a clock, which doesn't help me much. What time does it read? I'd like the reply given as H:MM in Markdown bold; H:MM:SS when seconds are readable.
**11:08**
